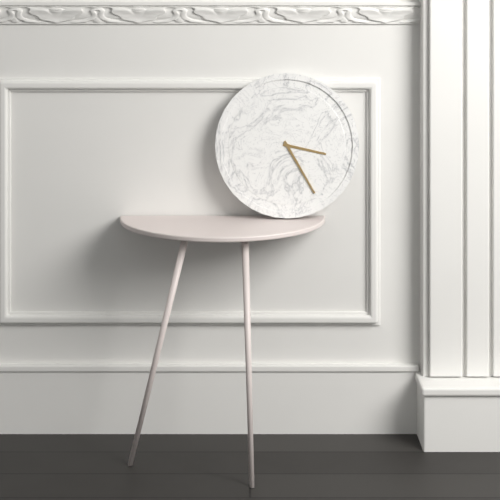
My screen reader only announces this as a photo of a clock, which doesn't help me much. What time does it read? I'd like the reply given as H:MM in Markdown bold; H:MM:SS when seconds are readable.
**3:25**
